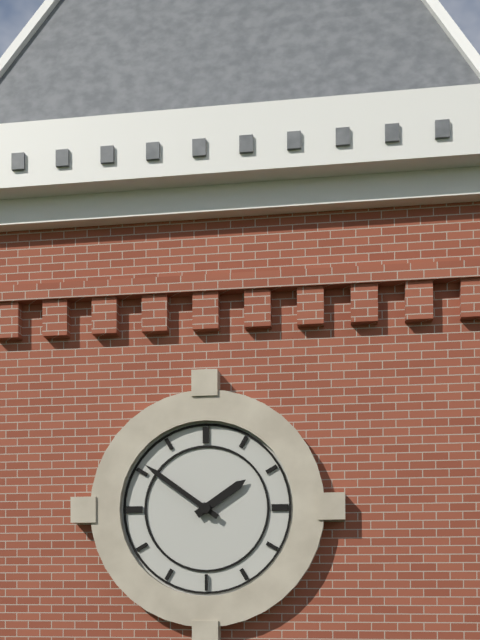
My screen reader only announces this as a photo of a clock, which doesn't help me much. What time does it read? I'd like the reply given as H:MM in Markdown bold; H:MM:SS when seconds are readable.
**1:51**
